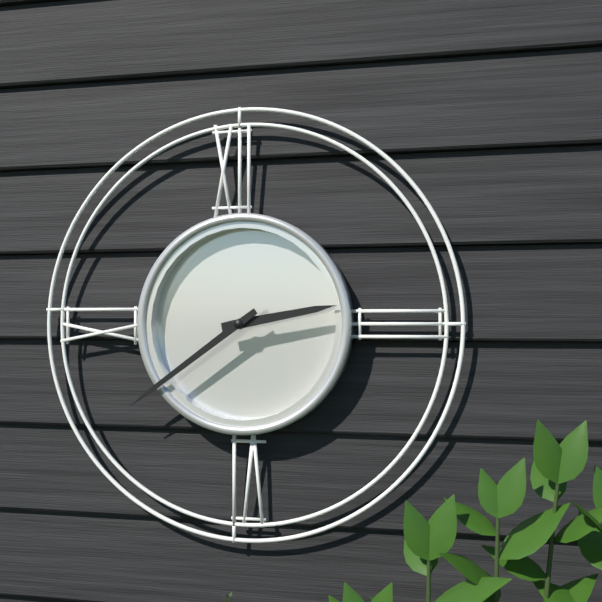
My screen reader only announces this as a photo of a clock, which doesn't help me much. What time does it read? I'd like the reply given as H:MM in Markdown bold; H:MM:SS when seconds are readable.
**2:39**
